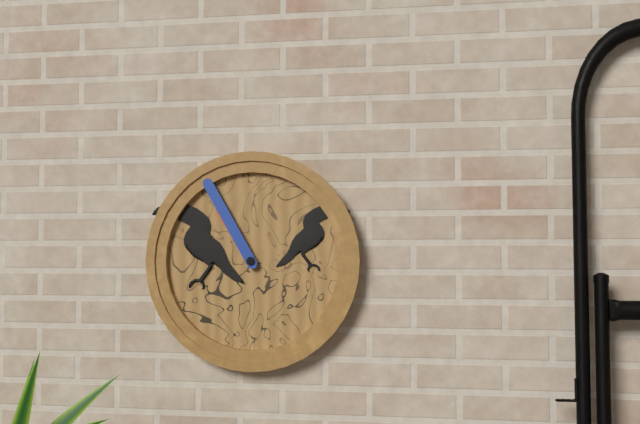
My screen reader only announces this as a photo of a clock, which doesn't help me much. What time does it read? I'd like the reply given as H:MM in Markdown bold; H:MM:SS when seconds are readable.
**10:55**
